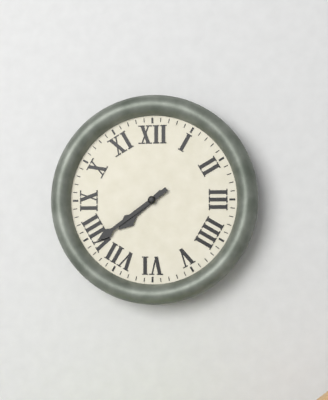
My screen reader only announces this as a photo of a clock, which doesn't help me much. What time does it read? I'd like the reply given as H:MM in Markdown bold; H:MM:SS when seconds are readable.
**7:39**
